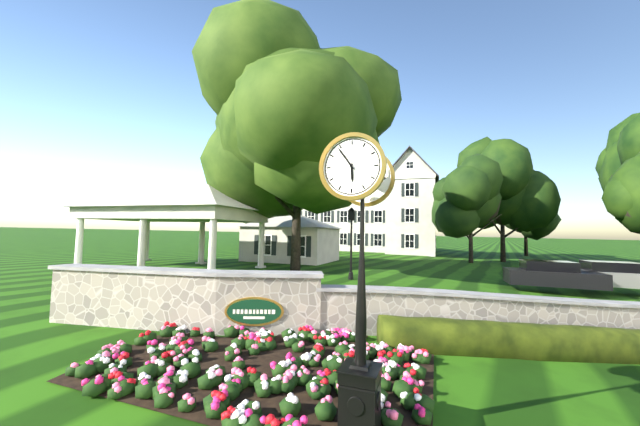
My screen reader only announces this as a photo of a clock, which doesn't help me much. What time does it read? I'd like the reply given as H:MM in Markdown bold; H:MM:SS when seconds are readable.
**5:54**
